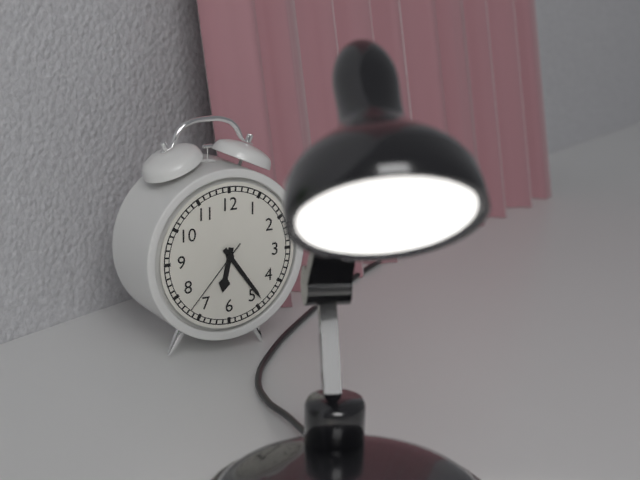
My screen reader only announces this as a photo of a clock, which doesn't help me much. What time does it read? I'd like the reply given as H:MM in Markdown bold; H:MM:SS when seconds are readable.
**6:24:37**
